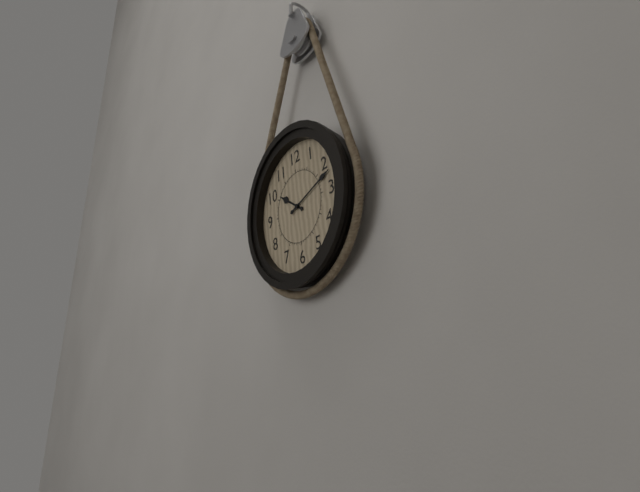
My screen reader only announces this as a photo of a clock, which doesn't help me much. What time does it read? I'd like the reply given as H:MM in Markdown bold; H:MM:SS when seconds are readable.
**10:12**
